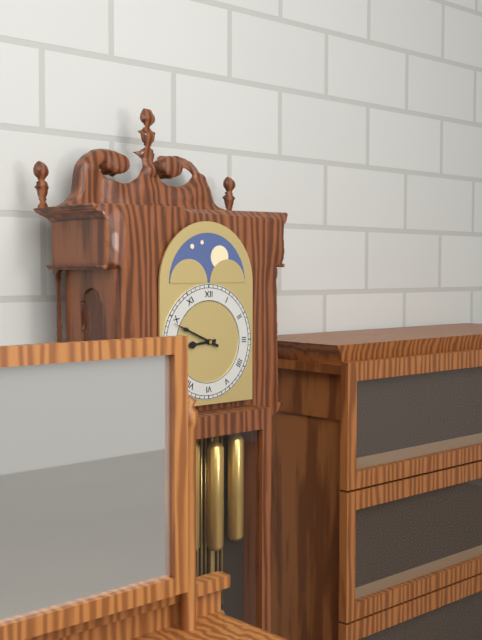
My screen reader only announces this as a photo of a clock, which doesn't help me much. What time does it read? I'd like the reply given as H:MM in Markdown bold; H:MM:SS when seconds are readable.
**8:49**
